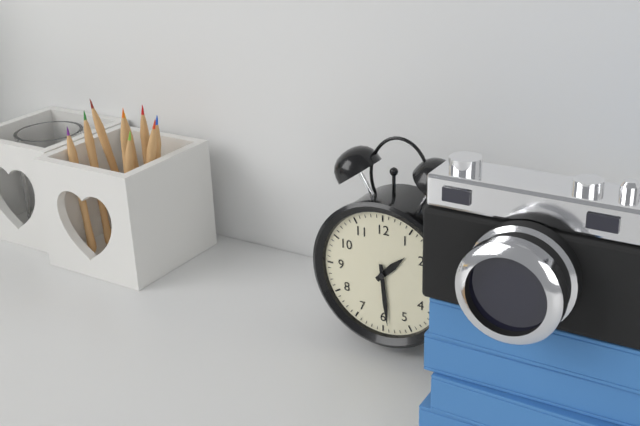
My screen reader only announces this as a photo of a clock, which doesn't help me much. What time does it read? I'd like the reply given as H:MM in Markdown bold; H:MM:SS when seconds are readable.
**1:29**
